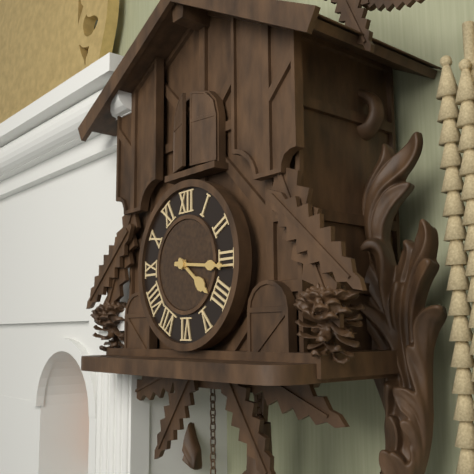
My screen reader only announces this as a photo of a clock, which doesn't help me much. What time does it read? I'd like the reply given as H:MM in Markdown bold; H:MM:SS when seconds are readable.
**4:16**
